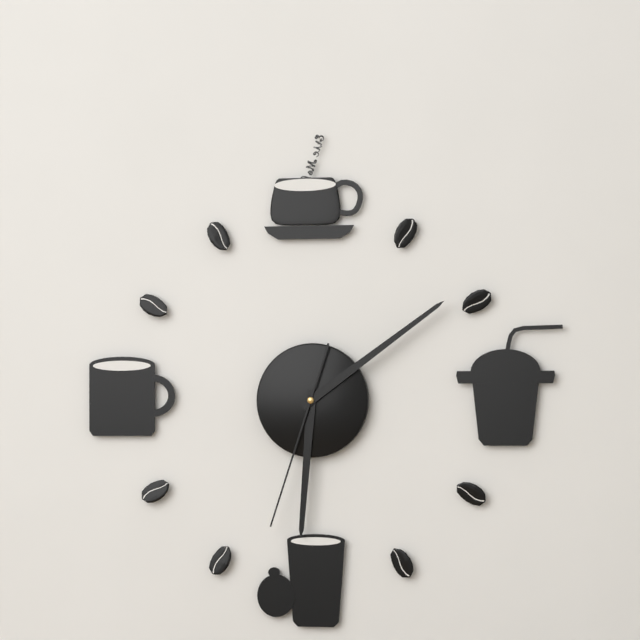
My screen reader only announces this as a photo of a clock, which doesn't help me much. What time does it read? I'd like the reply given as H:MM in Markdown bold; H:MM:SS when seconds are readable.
**6:09:33**
